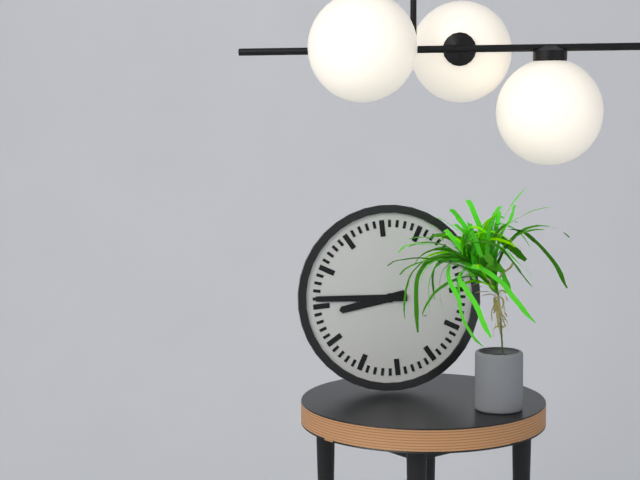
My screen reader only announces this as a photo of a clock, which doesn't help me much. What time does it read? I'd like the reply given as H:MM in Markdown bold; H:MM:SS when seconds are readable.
**8:46**
